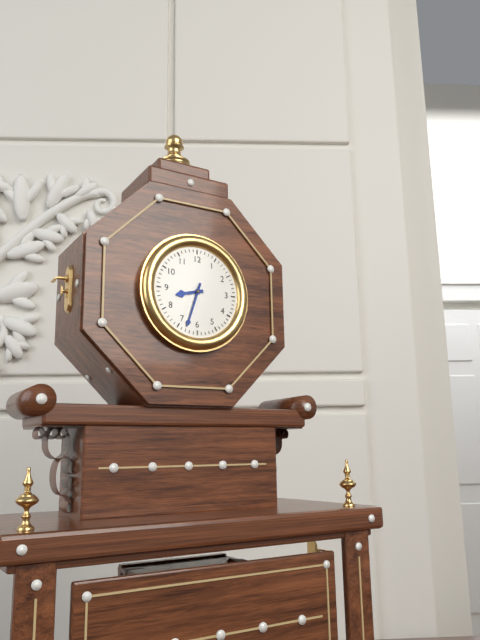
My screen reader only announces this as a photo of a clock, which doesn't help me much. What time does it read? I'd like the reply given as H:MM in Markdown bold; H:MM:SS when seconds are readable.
**8:33**
